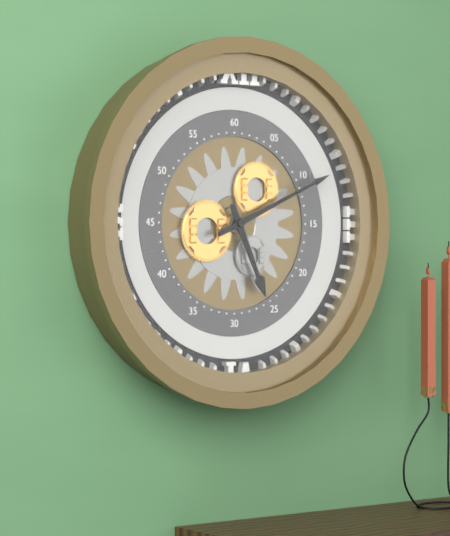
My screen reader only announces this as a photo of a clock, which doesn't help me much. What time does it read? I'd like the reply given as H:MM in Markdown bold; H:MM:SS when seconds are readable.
**5:11**
